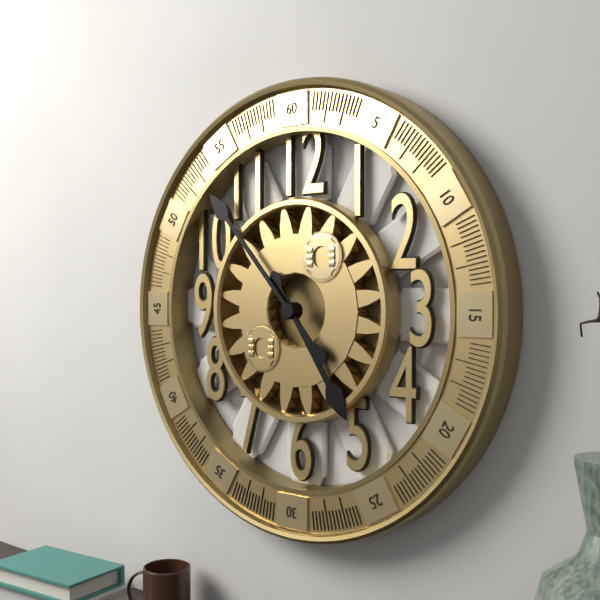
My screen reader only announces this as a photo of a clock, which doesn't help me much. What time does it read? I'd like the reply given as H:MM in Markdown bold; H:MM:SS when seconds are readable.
**4:53**
